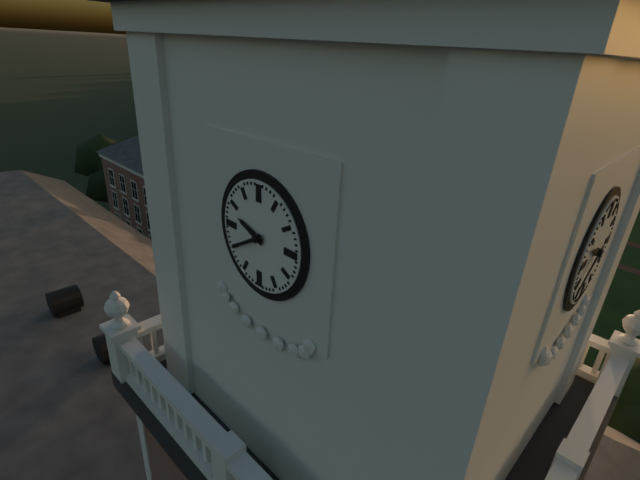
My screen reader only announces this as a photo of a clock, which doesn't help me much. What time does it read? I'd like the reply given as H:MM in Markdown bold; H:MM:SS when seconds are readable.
**9:40**
